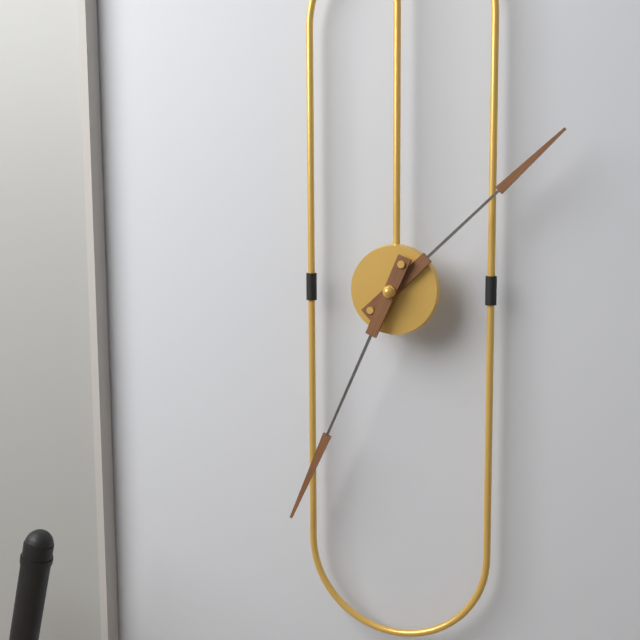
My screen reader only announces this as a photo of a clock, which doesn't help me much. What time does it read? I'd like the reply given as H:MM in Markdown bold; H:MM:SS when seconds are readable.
**1:34**
